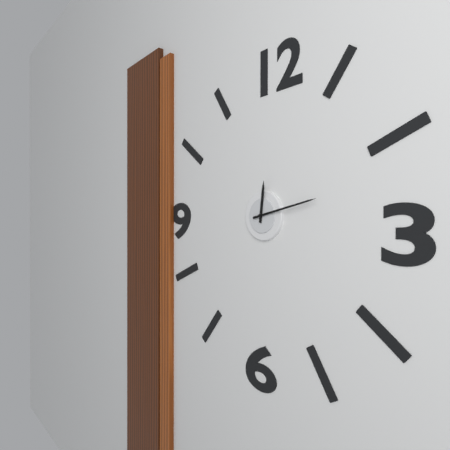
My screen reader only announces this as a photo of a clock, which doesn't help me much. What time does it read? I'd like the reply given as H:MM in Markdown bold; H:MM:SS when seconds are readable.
**12:13**
